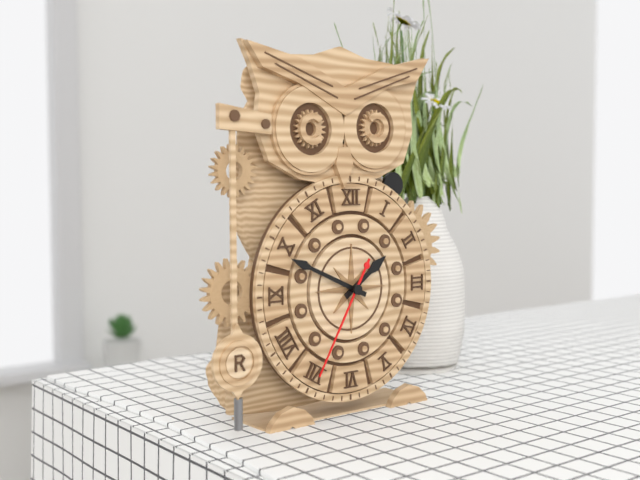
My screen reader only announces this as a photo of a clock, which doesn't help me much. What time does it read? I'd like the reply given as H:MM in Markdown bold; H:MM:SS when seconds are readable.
**1:49:35**
